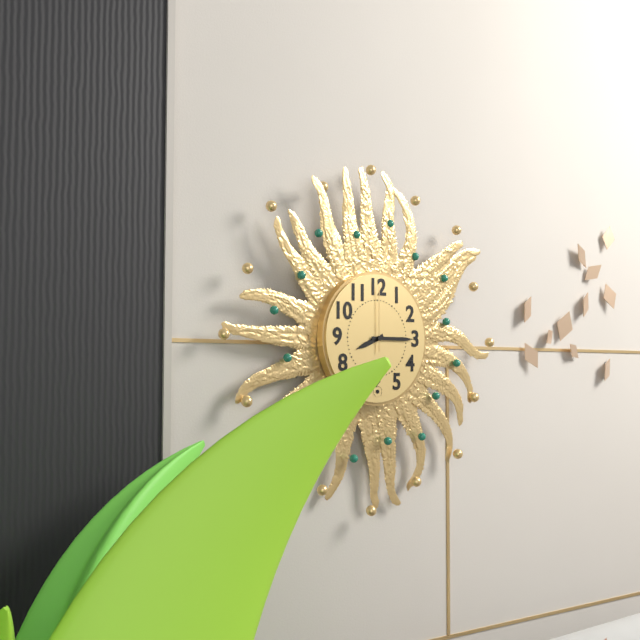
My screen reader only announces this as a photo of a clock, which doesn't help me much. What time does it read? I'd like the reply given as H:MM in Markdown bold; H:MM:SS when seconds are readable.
**8:15:00**
